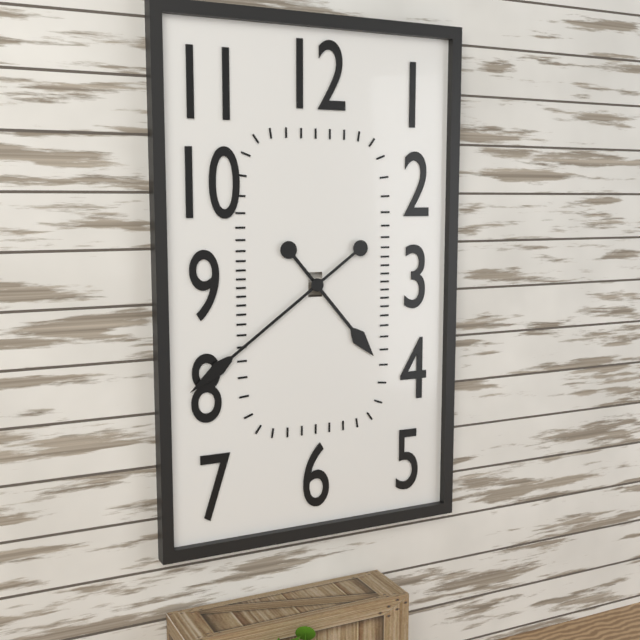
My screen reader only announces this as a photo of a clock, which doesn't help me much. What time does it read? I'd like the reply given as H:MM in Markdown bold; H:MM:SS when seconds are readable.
**4:39**
